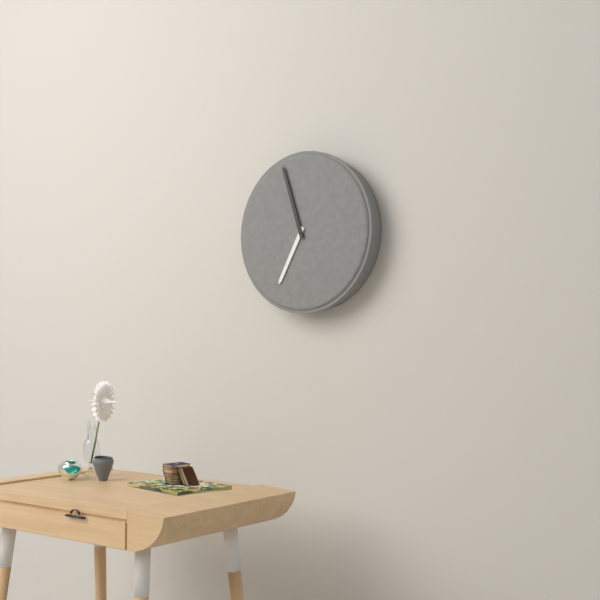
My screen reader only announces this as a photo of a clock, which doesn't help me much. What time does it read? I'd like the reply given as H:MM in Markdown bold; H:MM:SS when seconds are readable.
**6:57**
